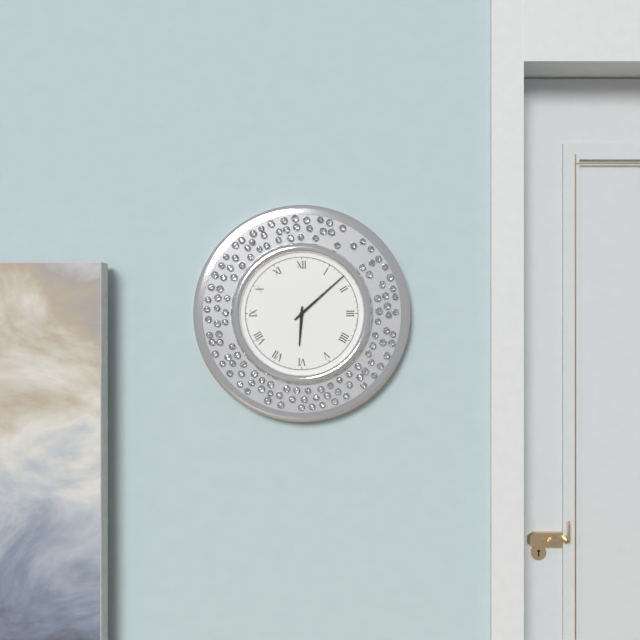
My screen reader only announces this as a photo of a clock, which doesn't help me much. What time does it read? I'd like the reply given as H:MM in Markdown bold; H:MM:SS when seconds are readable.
**6:08**
